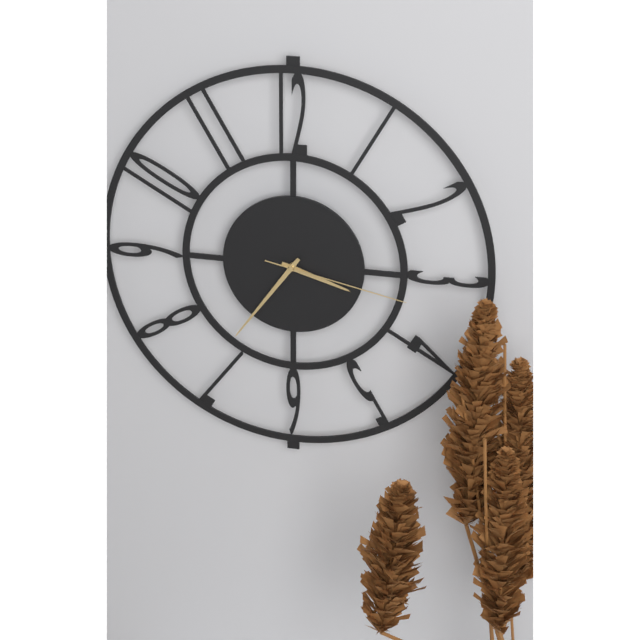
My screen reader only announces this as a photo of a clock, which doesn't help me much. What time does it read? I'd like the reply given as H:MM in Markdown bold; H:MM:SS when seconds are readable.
**3:36:17**
